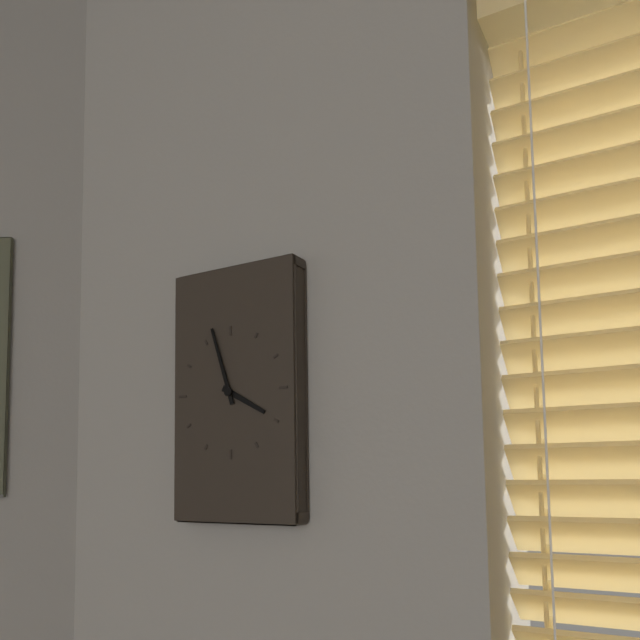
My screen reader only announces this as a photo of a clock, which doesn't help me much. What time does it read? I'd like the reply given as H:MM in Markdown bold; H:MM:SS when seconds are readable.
**3:57**
